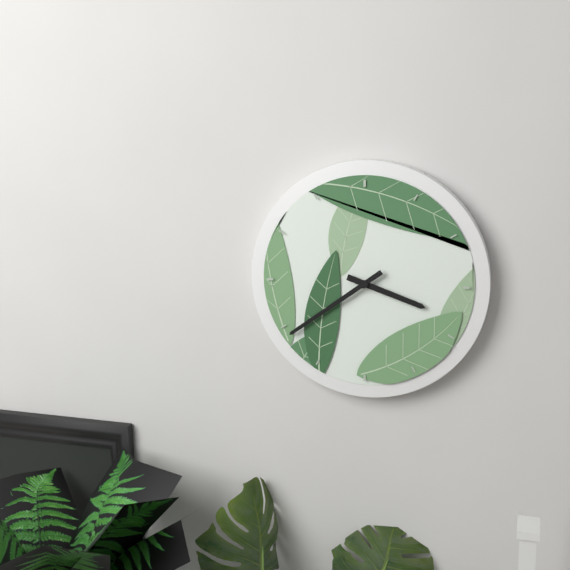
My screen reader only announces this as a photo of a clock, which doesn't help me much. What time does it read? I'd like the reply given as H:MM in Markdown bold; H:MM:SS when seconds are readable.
**3:39**
